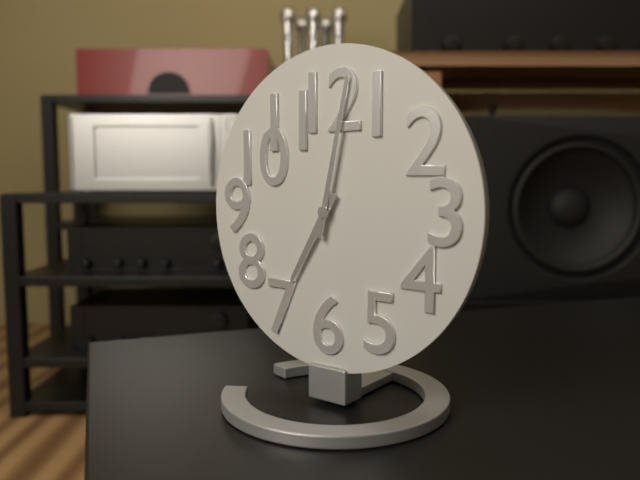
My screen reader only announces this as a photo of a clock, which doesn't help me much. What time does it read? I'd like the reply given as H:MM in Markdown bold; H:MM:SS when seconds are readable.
**7:02**
